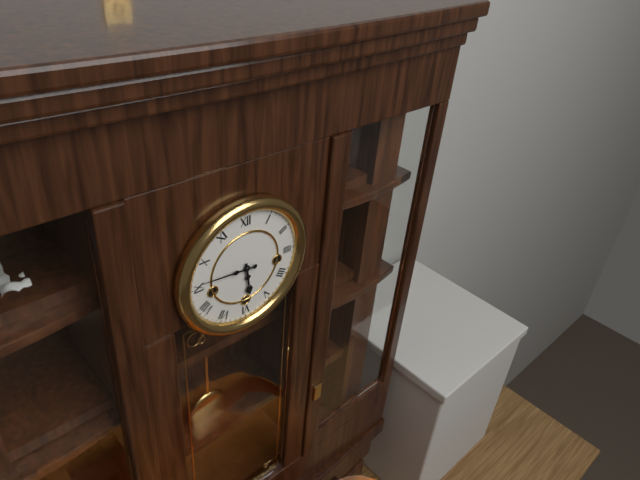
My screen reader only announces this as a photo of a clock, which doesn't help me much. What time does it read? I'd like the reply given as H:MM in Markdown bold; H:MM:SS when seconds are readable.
**5:46**
